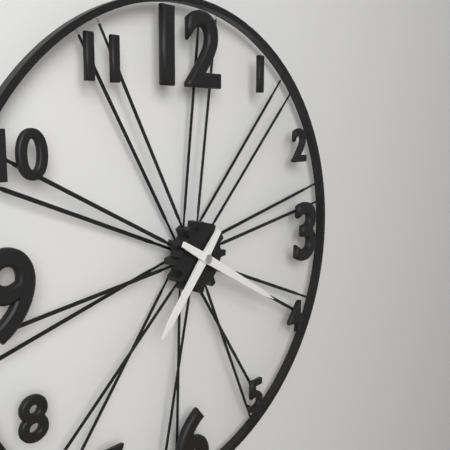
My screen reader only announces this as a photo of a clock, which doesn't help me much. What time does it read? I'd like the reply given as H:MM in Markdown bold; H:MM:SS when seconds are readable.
**7:20**
